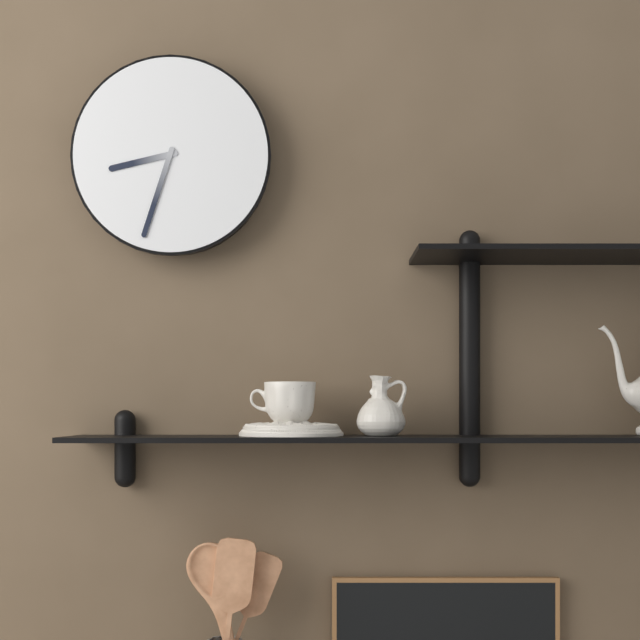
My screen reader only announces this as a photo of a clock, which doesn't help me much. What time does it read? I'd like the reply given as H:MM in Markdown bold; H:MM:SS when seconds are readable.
**8:33**
